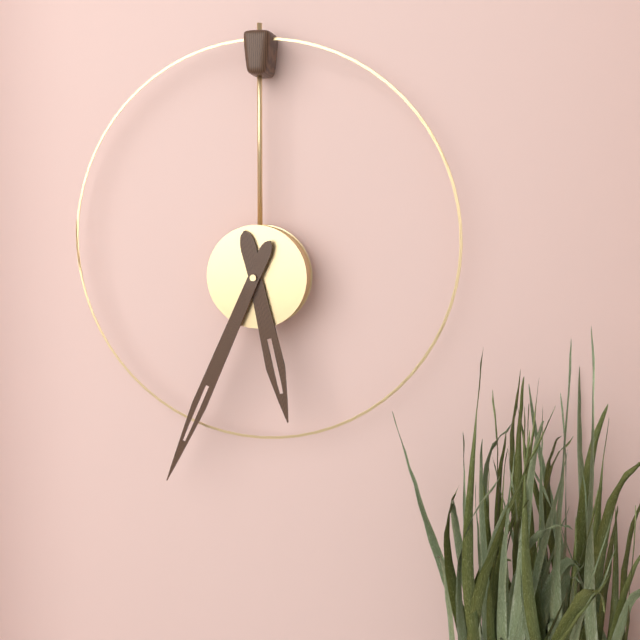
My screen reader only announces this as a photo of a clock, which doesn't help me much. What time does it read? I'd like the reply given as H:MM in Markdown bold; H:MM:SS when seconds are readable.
**5:34**
